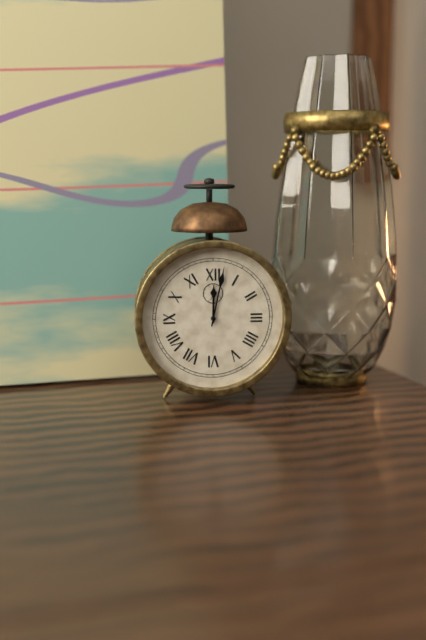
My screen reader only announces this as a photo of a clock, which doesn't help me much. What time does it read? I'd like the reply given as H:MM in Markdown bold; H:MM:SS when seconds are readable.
**12:02**
